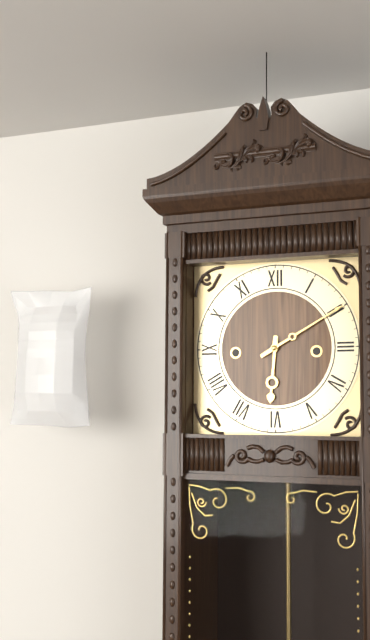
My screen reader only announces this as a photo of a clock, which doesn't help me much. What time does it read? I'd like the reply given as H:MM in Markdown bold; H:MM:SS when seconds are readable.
**6:10**
